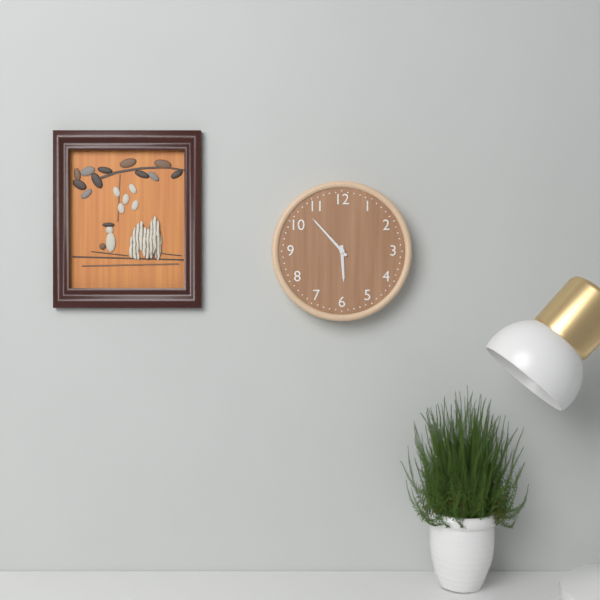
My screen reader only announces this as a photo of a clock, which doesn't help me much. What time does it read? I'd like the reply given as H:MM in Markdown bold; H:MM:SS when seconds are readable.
**5:53**
